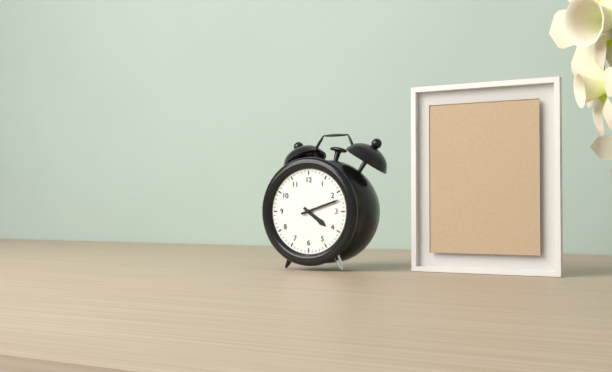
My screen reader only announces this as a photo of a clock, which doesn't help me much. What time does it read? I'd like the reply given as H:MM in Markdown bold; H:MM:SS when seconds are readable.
**4:12**
